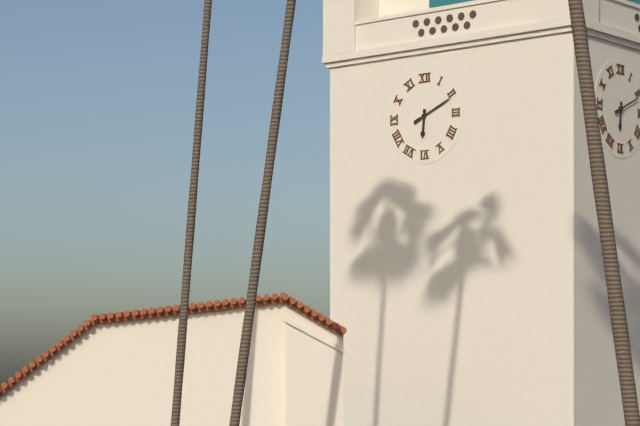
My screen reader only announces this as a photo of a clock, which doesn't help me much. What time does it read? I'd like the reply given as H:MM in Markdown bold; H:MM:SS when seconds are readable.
**6:11**
